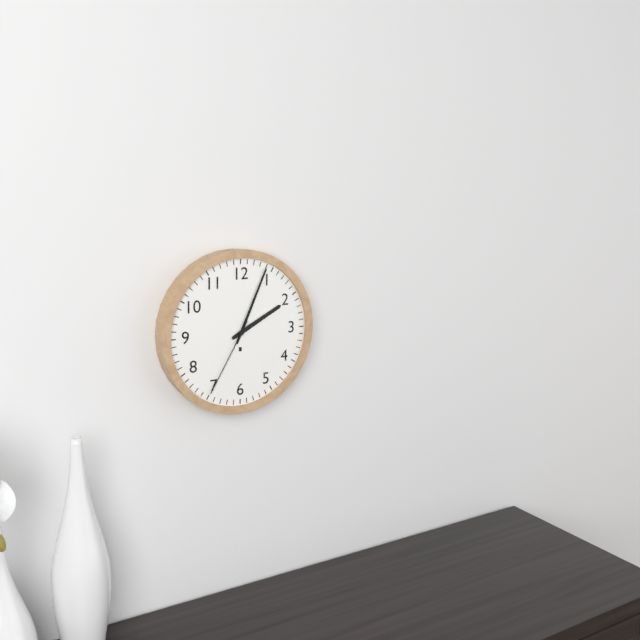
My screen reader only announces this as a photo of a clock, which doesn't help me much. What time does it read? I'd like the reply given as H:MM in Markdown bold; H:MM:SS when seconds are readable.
**2:04:35**
